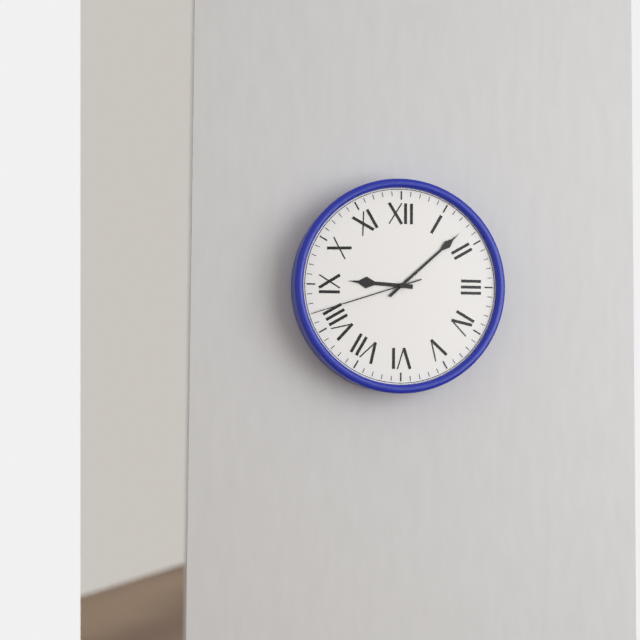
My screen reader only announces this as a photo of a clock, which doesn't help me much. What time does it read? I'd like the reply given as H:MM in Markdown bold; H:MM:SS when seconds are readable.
**9:08:42**
